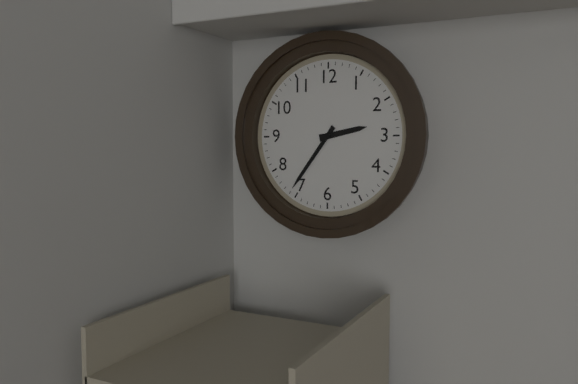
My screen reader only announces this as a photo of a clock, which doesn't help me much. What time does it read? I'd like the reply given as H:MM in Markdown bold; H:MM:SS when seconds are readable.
**2:36**
